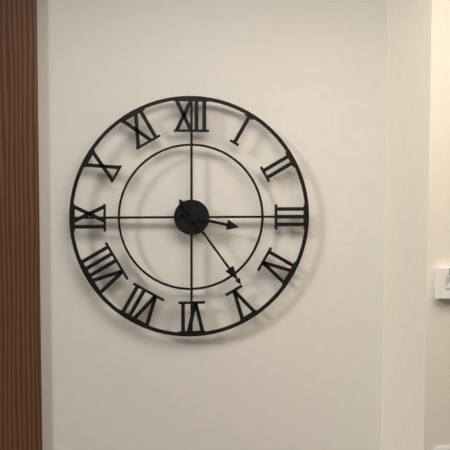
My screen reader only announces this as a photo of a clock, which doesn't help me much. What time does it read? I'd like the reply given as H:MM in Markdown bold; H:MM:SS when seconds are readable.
**3:24:24**
